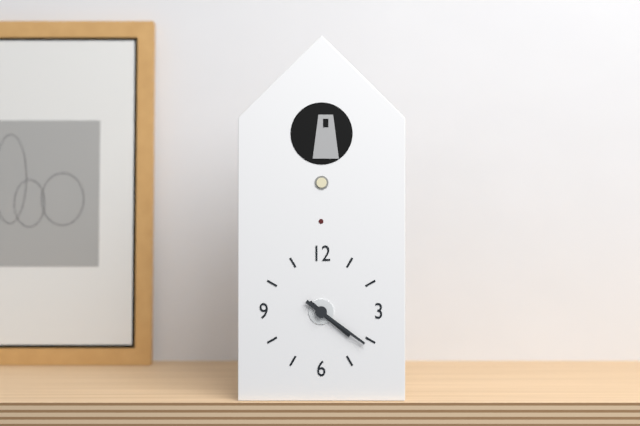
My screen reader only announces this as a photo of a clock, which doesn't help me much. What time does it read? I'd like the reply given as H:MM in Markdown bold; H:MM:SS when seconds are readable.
**4:21**
